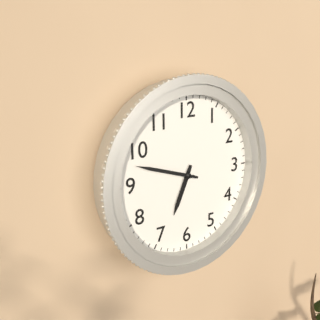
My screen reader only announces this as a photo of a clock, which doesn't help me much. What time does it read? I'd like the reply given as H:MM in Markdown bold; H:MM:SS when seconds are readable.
**6:48**
